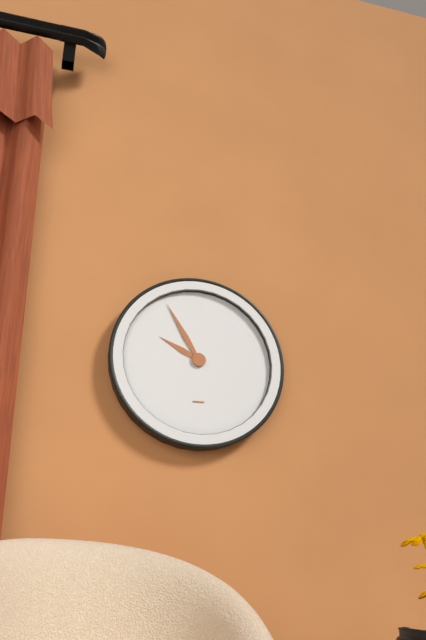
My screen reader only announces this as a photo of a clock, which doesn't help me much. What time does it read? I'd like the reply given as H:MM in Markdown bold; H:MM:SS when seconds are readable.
**9:55**
